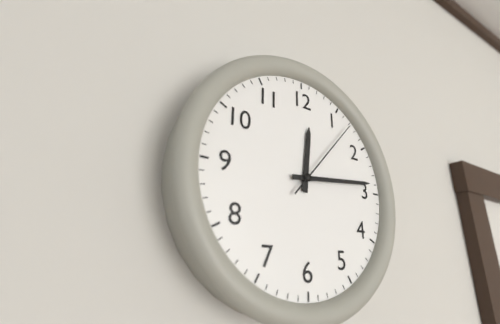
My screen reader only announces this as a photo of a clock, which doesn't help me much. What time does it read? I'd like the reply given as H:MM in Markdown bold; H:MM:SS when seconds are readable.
**12:14:07**
